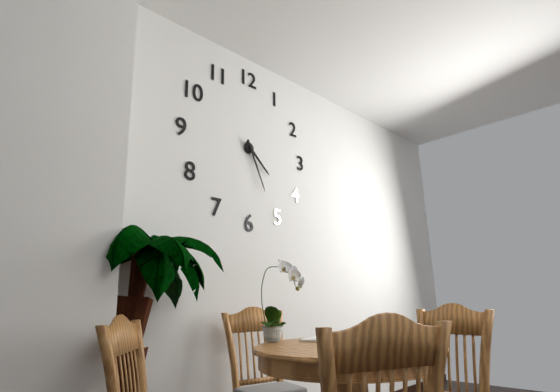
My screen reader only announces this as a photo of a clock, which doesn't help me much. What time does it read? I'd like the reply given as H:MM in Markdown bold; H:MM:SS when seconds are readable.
**4:26**
